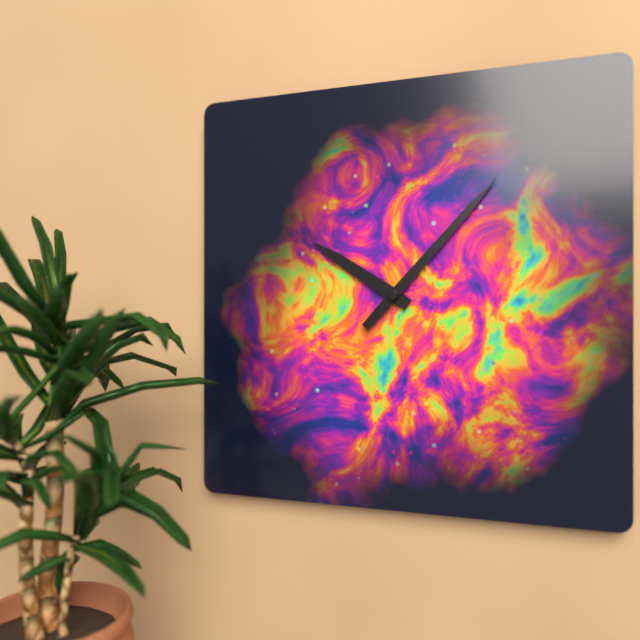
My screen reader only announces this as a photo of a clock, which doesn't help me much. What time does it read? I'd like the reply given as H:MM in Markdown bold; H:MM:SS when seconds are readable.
**10:07**
